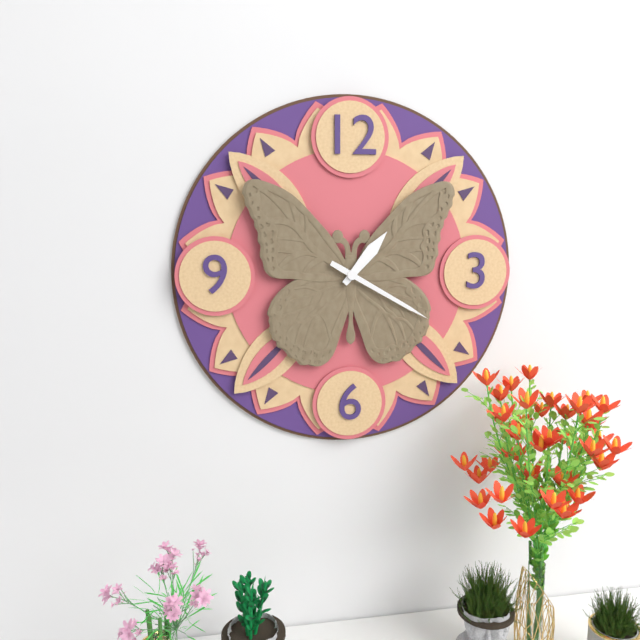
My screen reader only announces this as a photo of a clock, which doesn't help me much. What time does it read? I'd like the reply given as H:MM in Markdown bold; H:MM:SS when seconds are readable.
**1:20**
